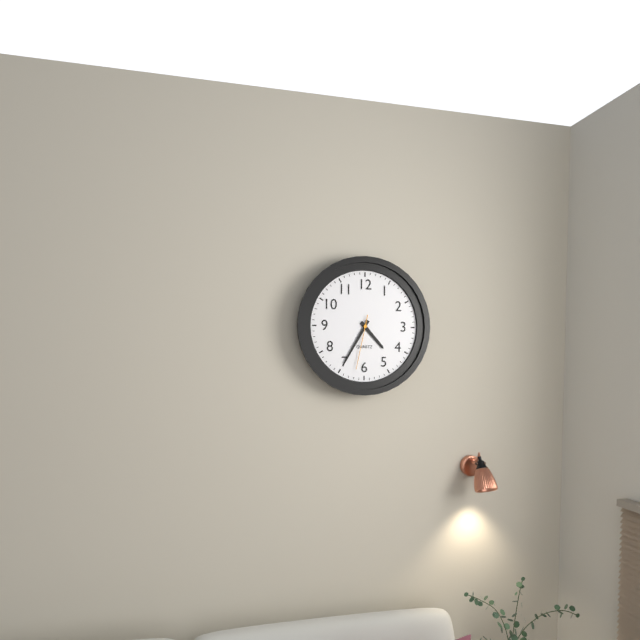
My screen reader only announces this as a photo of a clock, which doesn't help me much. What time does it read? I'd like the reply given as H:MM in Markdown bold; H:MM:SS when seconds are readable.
**4:35:32**
